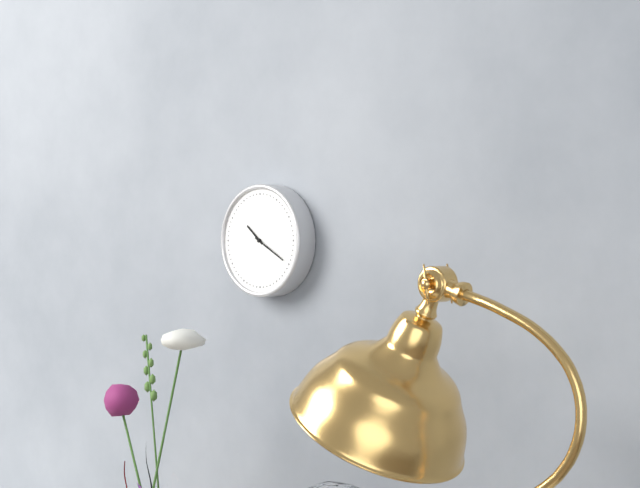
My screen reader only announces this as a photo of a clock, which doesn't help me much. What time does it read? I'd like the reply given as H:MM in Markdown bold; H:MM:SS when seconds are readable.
**10:20**
